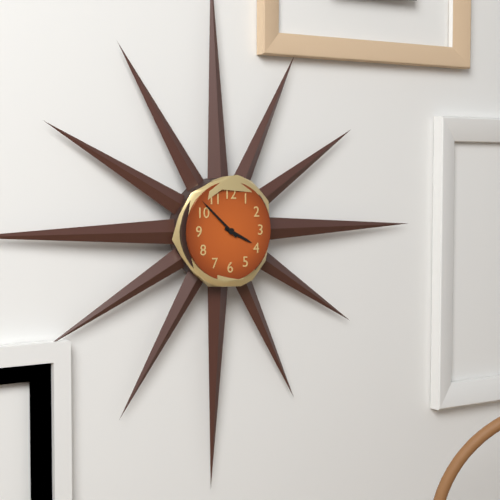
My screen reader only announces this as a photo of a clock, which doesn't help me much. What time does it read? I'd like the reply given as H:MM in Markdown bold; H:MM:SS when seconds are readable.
**3:52**
